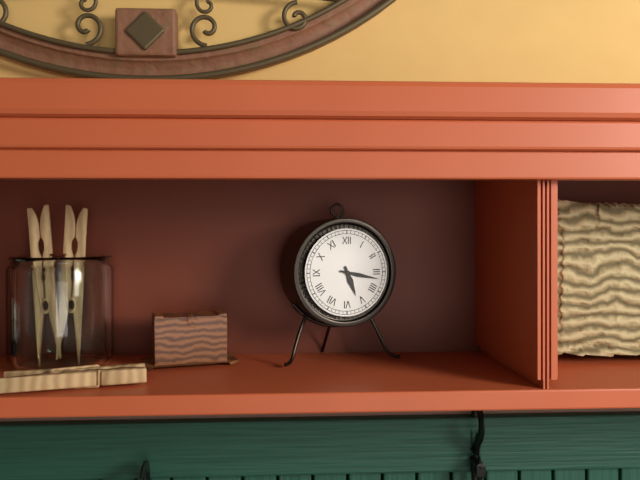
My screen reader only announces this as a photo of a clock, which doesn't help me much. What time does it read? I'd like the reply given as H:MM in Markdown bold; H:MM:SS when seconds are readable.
**5:17**
